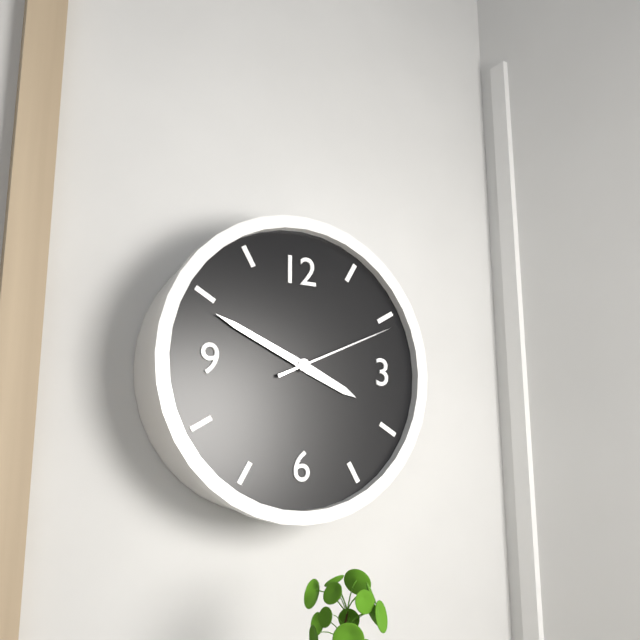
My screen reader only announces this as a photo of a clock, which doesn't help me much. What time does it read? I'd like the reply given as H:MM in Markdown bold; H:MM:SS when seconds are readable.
**3:49:11**
